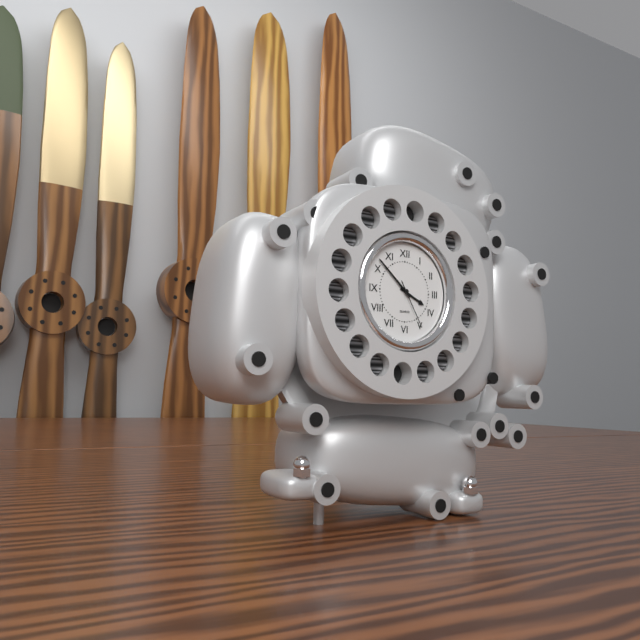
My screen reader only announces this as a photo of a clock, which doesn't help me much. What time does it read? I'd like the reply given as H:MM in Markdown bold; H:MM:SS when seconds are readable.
**3:52:25**
